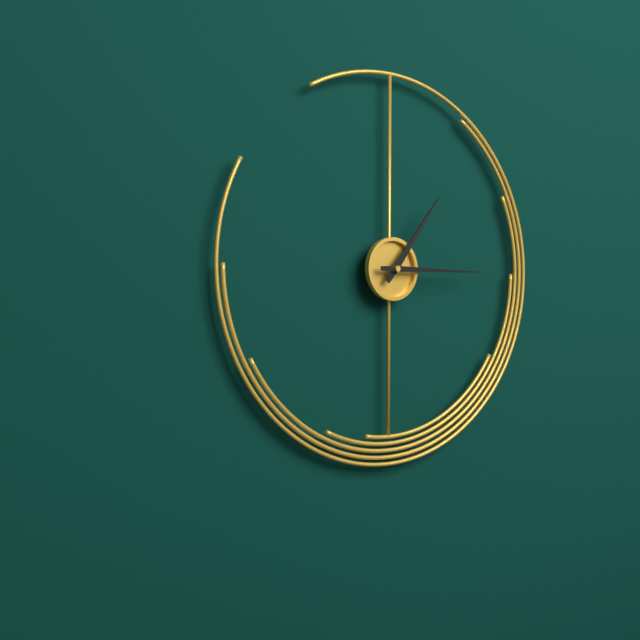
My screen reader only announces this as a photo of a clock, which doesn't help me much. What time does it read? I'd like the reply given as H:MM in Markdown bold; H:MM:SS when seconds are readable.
**1:15**
